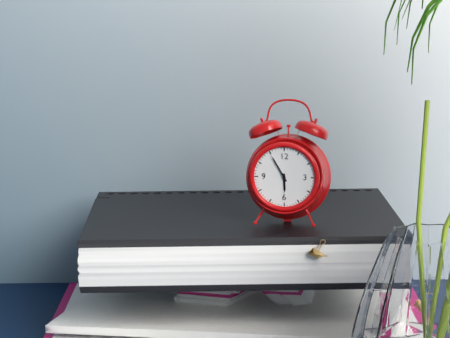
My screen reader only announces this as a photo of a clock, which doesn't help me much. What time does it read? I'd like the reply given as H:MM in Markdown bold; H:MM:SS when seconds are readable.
**5:55**
